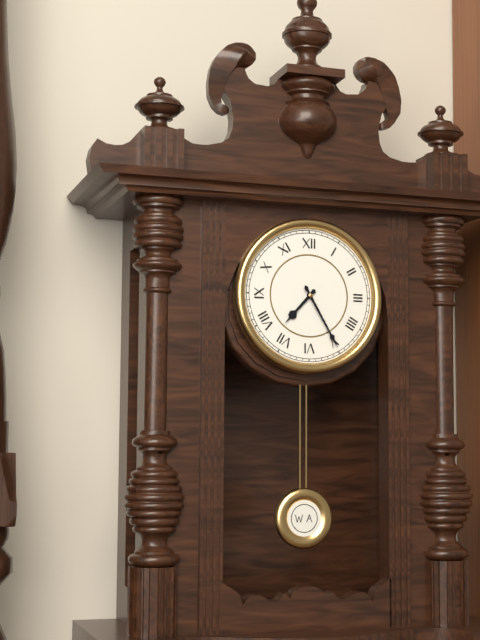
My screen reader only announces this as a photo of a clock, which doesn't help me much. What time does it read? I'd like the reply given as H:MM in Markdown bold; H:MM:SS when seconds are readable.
**7:25**
